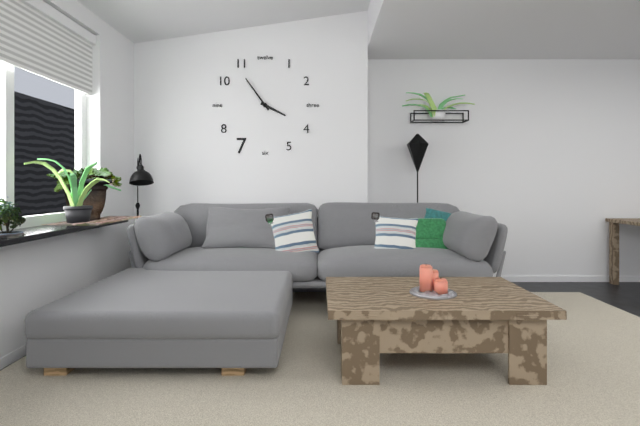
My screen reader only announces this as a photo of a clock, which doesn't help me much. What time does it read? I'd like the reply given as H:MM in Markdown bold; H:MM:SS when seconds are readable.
**3:54**
